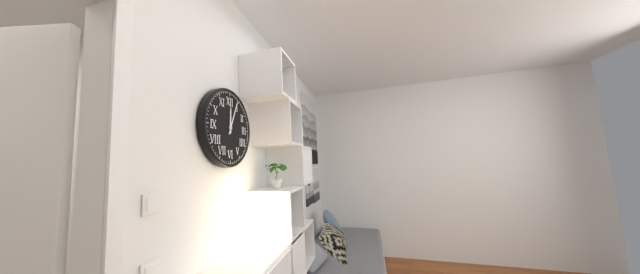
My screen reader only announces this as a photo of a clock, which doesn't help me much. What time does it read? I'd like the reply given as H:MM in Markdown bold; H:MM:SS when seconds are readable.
**12:04**
